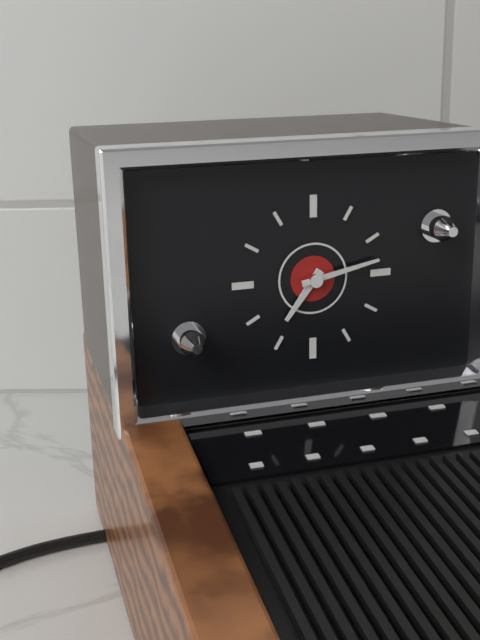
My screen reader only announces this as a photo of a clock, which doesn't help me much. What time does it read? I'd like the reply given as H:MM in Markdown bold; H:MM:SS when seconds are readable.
**7:13**
